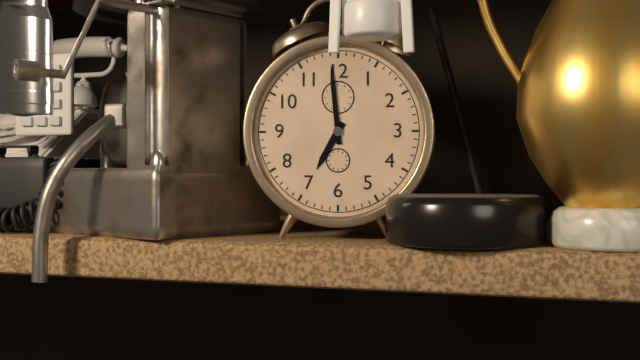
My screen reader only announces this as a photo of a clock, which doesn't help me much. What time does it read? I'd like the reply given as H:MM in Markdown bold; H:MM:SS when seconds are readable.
**6:59**
